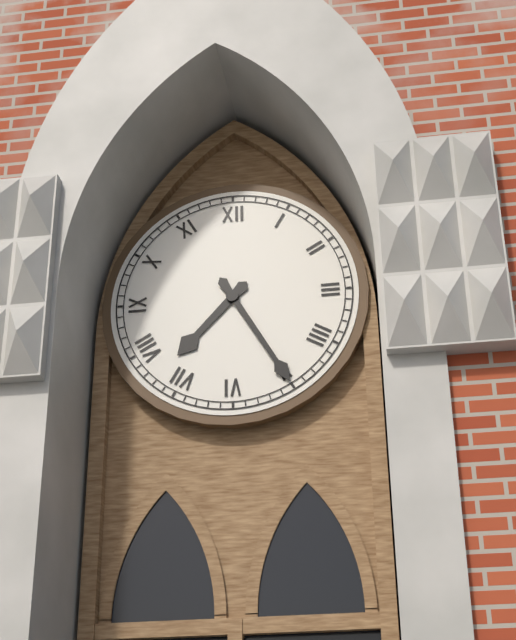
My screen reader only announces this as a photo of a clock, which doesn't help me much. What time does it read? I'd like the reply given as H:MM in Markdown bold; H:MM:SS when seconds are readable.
**7:25**
